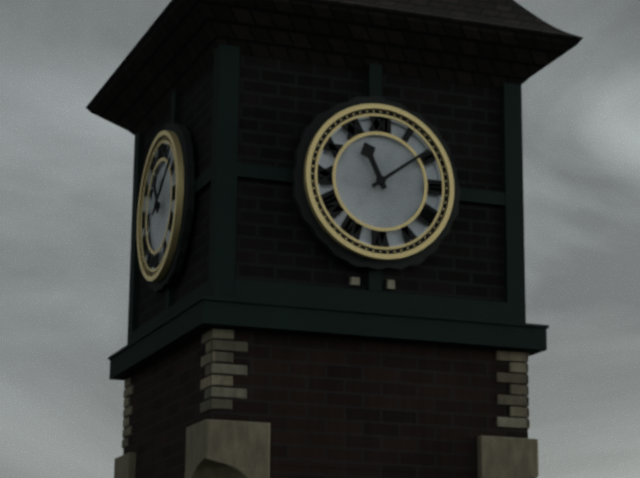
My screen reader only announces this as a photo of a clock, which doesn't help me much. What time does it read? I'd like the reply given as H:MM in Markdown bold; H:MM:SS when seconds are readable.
**11:09**
